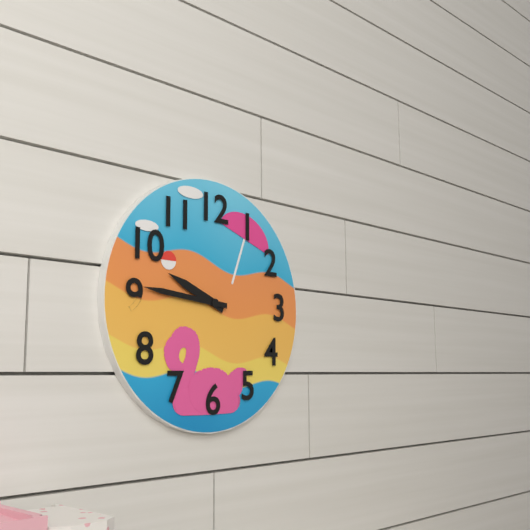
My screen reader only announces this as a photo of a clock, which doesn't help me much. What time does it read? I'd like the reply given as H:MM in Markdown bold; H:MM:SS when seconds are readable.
**9:46**
